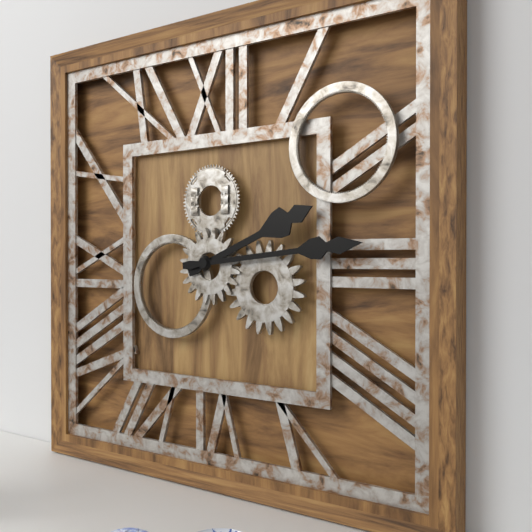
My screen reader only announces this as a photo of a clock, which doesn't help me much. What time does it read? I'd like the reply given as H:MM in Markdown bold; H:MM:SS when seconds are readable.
**2:14**
